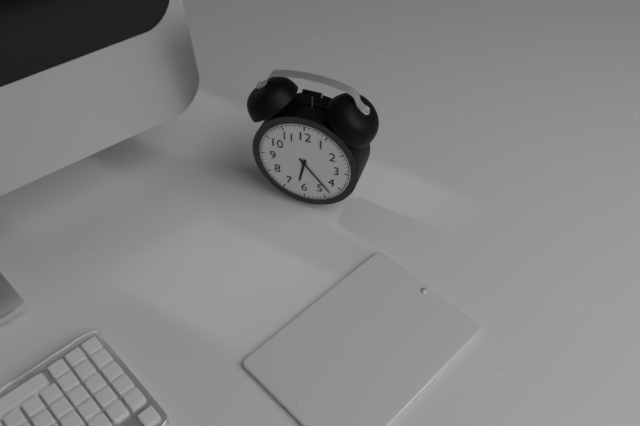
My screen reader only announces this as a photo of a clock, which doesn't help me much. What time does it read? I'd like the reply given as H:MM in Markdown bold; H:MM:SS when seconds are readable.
**6:23**
